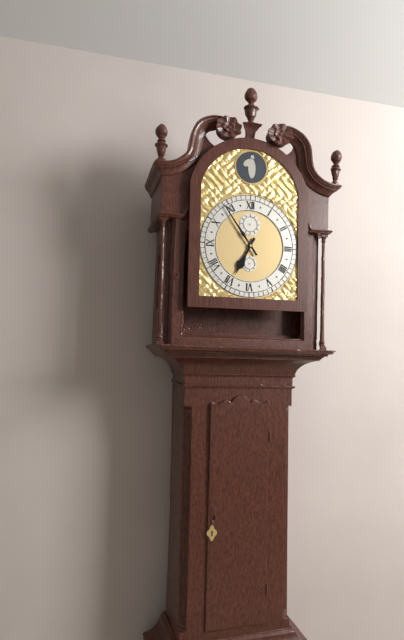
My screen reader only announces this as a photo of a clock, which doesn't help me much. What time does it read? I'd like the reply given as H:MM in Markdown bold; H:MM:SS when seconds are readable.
**6:54**
